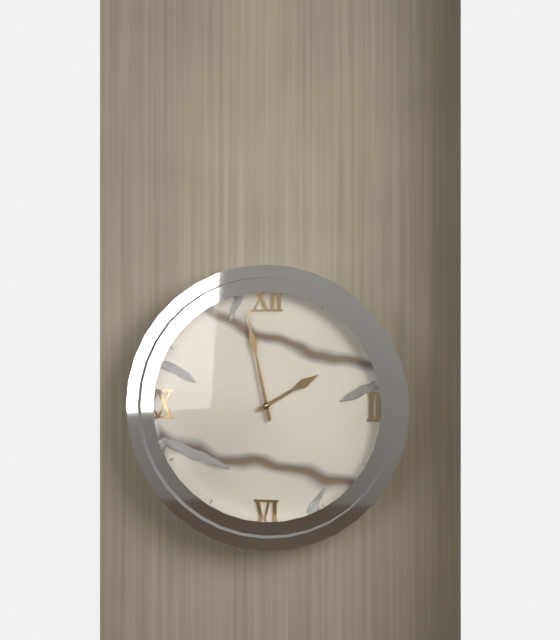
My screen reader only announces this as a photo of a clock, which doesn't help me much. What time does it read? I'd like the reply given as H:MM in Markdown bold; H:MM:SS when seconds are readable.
**1:58**
